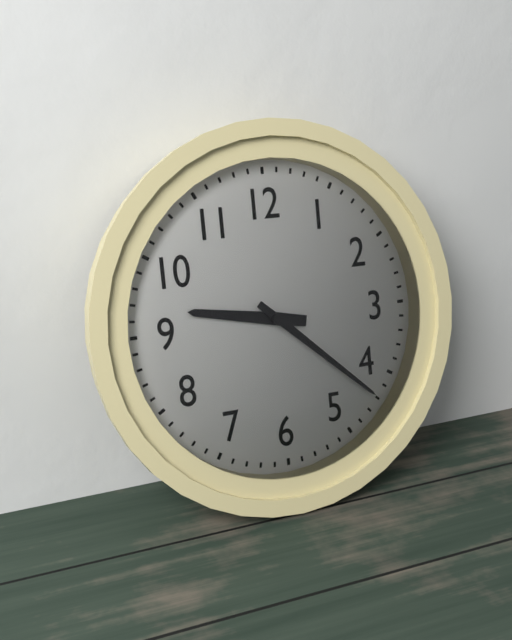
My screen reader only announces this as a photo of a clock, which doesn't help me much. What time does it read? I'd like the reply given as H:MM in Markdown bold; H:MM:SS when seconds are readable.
**9:22**
